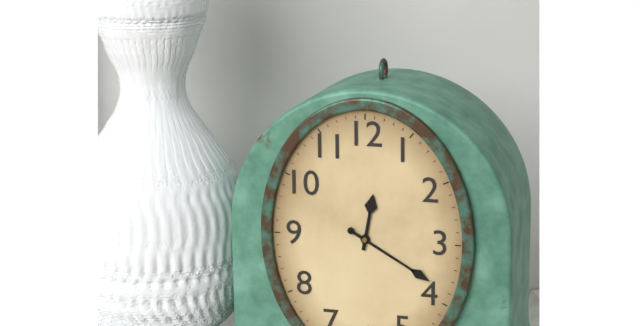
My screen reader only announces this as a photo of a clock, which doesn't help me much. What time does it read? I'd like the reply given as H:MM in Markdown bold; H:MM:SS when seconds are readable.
**12:20**
